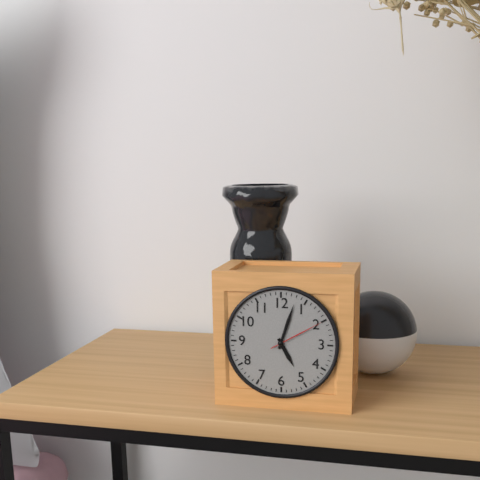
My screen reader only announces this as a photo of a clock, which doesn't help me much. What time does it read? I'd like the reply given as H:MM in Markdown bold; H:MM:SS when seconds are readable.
**5:03:10**
